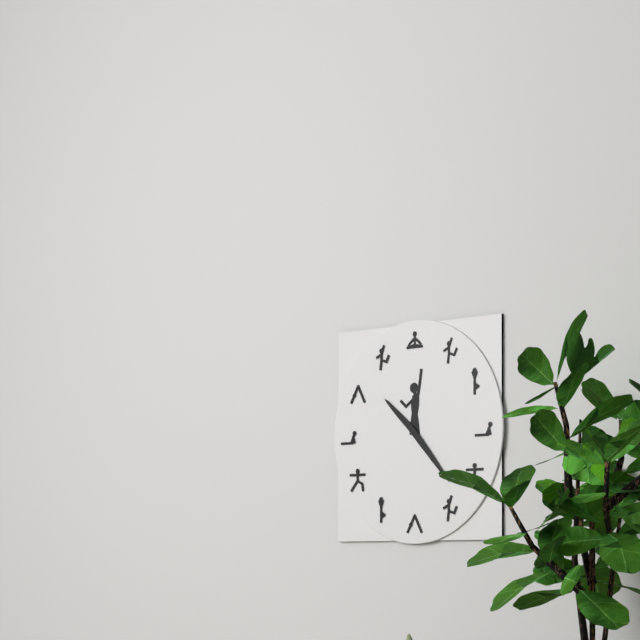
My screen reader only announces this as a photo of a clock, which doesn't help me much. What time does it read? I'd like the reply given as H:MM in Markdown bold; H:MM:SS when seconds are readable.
**10:23**
